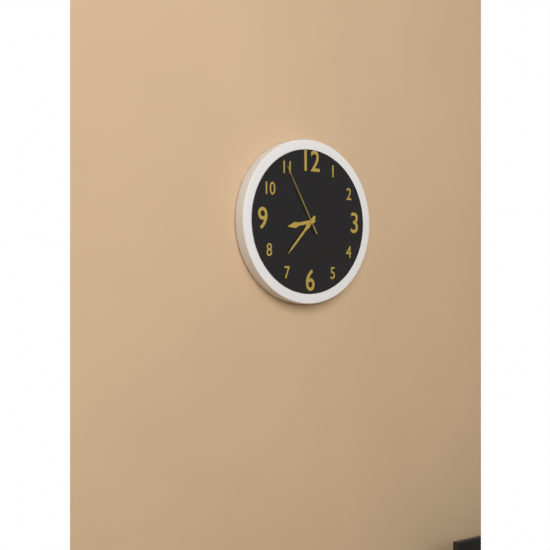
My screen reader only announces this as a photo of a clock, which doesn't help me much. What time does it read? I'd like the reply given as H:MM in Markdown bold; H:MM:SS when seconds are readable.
**8:37:55**
